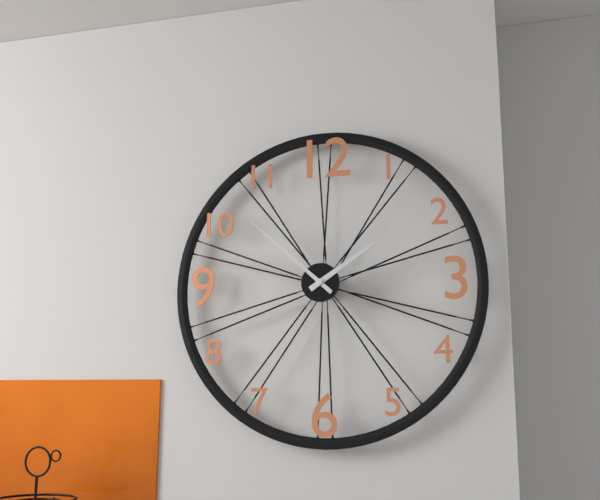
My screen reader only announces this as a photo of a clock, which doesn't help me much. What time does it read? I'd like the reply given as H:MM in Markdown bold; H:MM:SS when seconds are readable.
**1:52**
